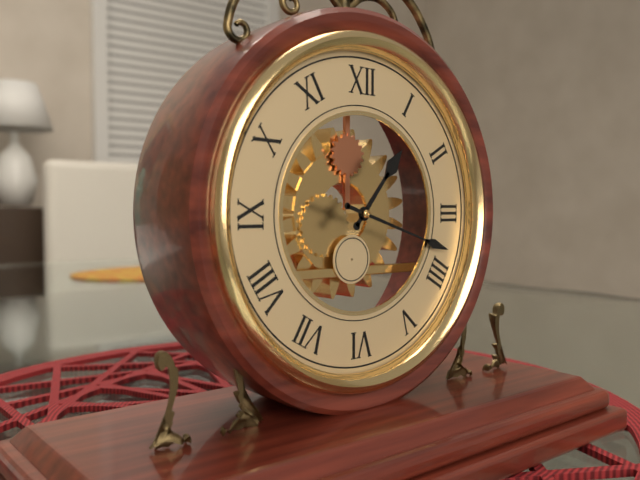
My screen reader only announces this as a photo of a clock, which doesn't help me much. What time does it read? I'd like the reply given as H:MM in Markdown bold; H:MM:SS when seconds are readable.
**1:18**
